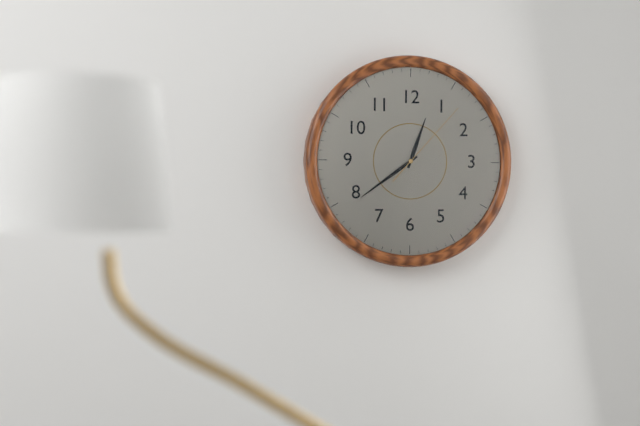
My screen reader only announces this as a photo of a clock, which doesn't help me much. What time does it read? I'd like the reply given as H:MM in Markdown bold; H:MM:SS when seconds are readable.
**12:39:07**
